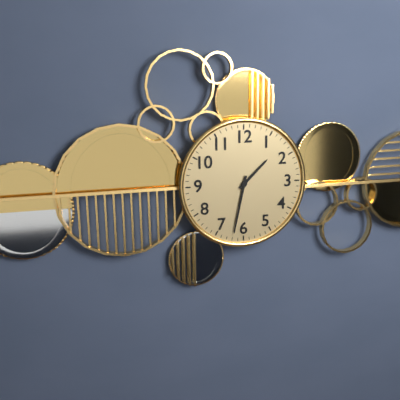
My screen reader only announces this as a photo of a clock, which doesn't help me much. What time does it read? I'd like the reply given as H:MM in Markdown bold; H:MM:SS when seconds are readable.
**1:32**
